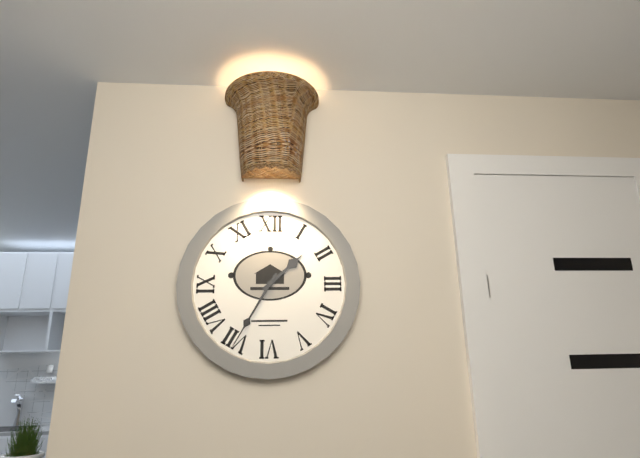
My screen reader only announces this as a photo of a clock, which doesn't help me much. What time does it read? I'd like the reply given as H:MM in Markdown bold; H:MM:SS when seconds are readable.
**1:35**
